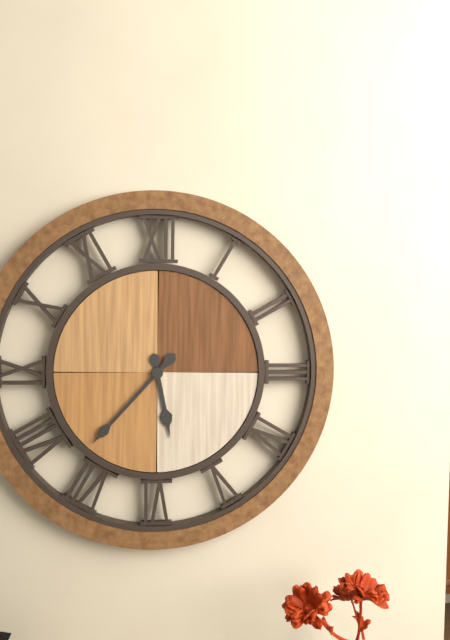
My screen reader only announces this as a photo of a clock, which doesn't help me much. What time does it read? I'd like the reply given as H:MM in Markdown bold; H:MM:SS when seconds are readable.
**5:37**
